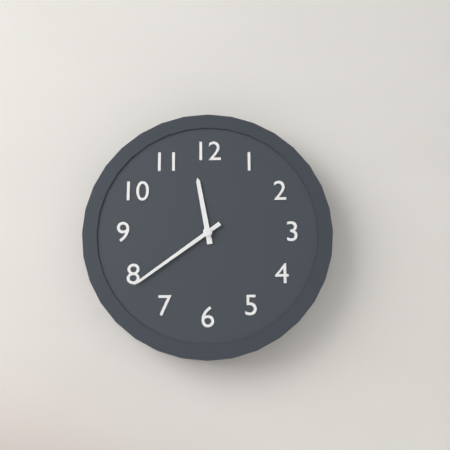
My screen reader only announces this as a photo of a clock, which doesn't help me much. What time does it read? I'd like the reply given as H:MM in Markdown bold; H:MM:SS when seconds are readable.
**11:39**
